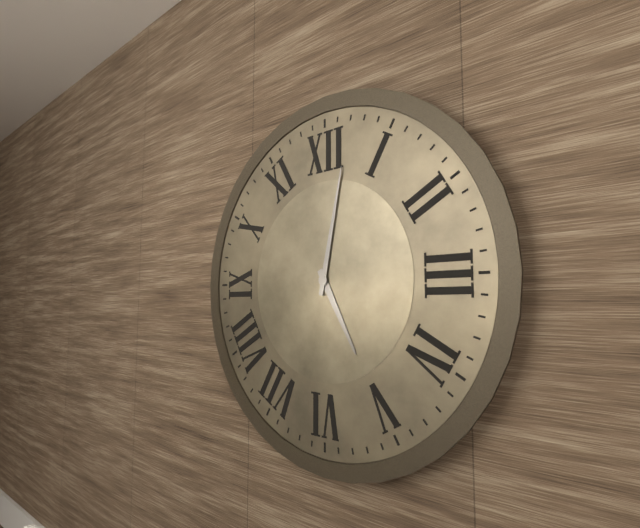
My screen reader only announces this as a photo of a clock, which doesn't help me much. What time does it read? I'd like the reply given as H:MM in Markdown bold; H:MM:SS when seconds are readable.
**5:02**
